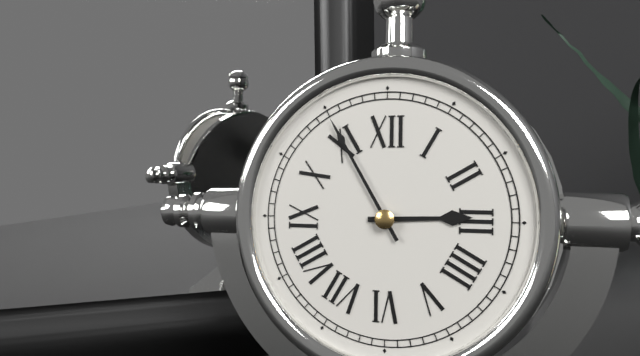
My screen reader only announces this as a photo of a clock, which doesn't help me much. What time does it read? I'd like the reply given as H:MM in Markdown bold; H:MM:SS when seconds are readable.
**2:55**
